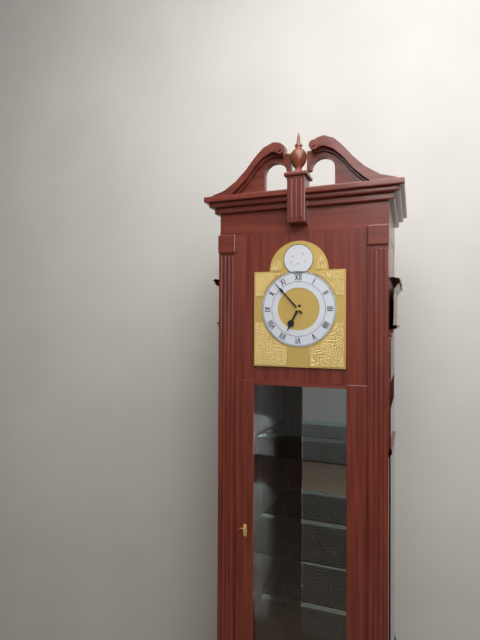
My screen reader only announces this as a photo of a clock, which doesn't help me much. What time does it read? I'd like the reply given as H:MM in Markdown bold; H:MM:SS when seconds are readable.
**6:53**
